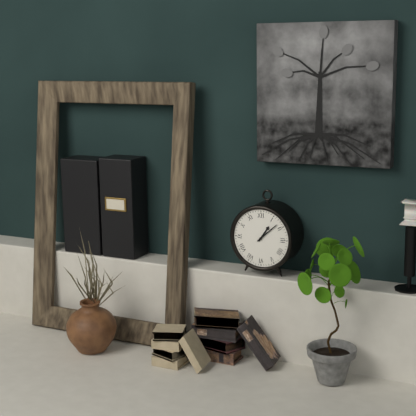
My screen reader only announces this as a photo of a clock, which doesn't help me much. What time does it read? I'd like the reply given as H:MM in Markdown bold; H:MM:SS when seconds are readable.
**1:08**
